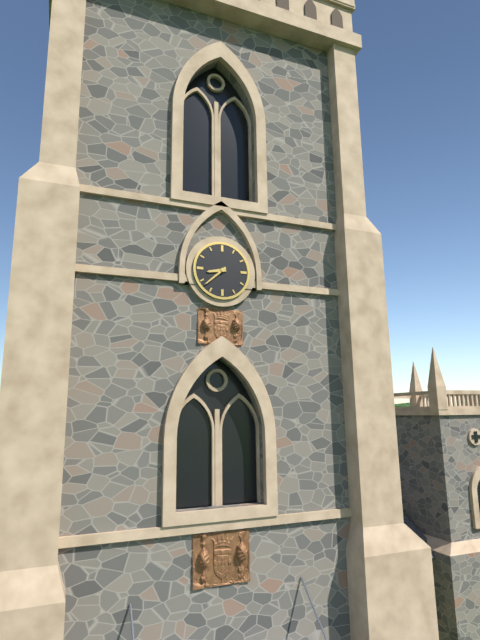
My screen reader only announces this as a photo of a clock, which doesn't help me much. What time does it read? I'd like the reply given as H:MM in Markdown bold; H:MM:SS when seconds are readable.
**8:38**
